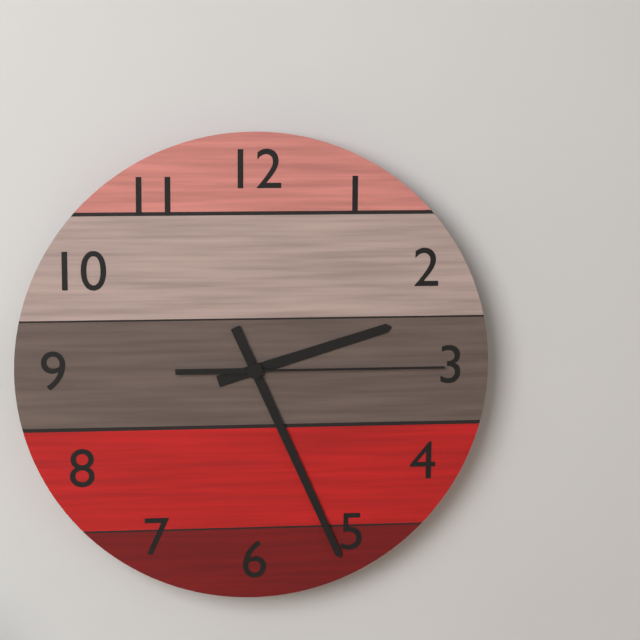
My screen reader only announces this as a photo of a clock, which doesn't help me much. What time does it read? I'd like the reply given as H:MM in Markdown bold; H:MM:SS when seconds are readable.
**2:26:15**
